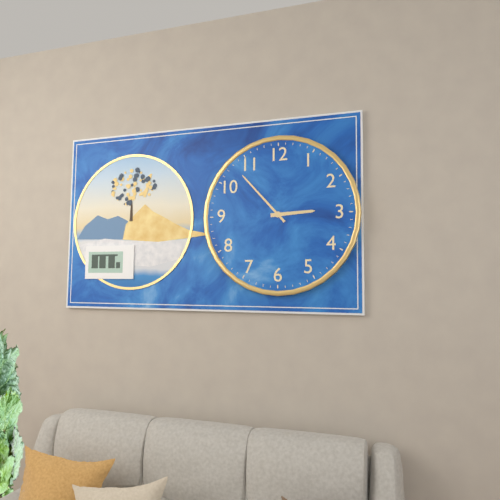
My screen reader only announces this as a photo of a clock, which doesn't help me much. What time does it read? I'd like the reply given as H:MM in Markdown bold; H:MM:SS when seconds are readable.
**2:53**
